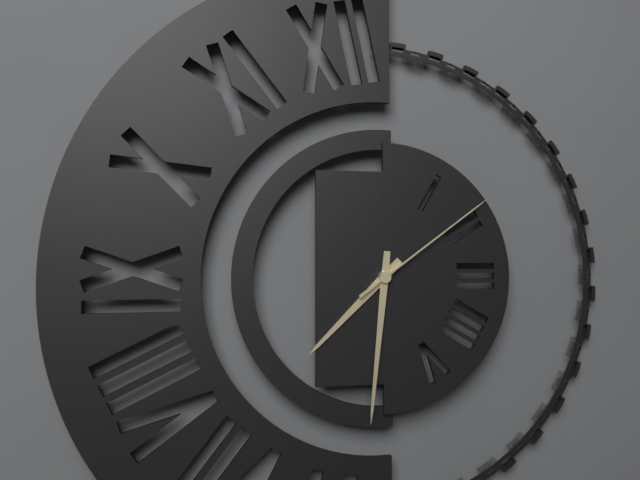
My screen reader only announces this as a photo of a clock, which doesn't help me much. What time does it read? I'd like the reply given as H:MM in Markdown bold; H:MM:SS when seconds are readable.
**7:31:09**
